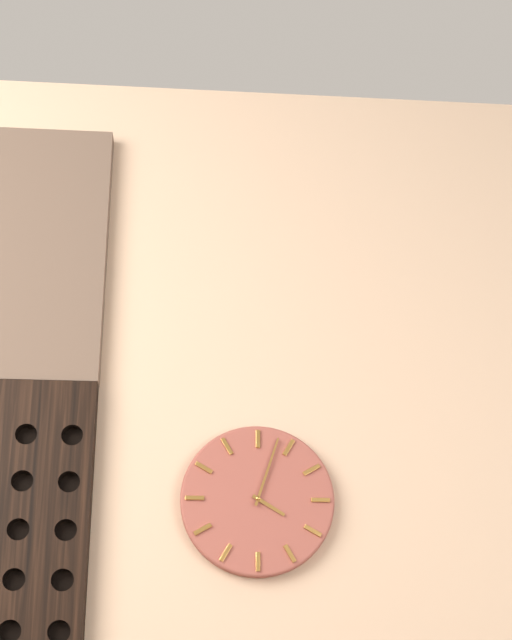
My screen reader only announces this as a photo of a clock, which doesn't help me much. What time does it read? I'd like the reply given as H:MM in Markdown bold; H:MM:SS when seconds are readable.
**4:03**
